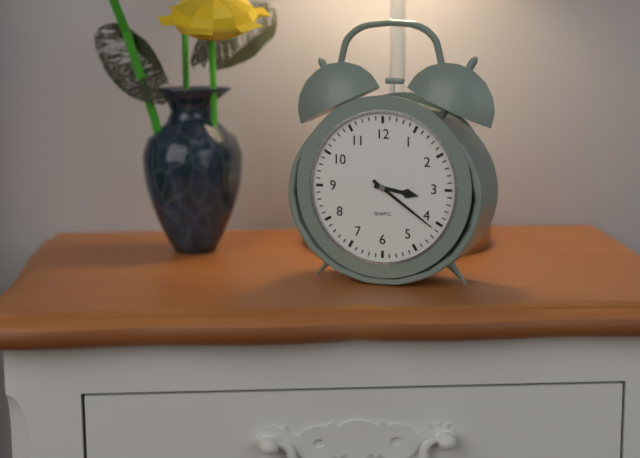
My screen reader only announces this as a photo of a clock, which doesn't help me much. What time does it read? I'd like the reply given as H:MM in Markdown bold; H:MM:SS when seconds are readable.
**3:21**
